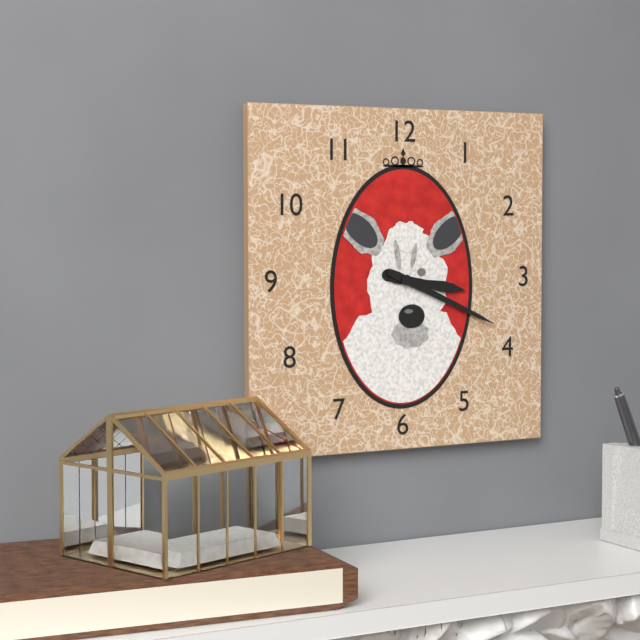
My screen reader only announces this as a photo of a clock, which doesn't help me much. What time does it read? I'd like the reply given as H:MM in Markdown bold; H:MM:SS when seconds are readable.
**3:19**
